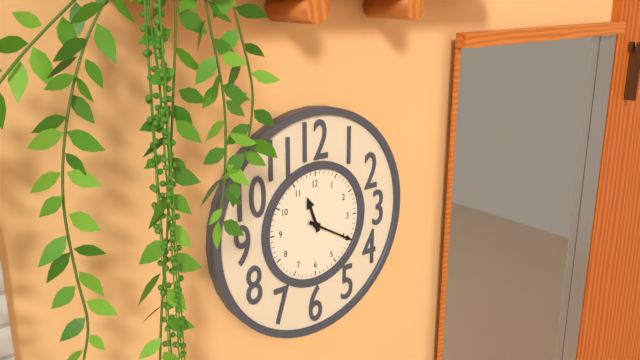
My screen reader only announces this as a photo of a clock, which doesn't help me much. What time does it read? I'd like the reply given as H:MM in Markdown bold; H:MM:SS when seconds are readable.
**11:20**
